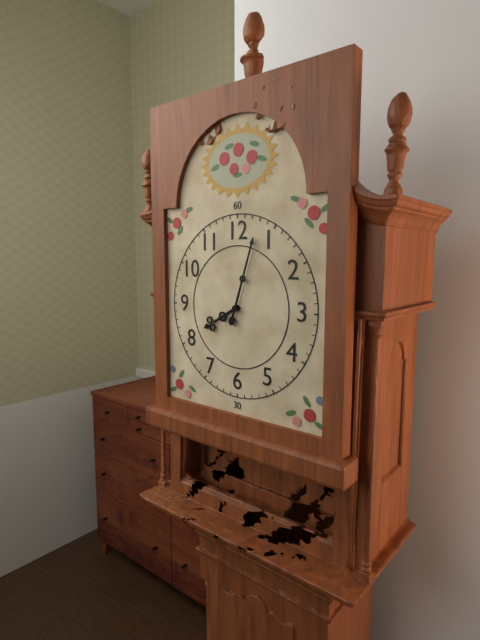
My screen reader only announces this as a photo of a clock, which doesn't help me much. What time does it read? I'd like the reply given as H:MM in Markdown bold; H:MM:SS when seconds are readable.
**8:03**
